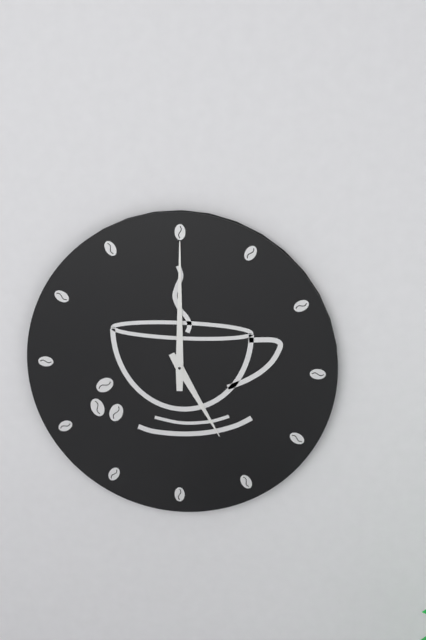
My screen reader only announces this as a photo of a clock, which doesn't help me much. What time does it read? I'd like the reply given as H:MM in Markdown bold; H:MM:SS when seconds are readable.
**5:00**
